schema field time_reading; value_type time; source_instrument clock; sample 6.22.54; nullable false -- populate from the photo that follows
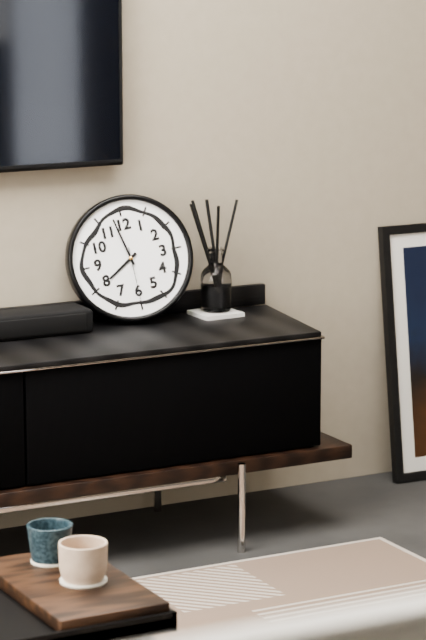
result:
7.58.30
